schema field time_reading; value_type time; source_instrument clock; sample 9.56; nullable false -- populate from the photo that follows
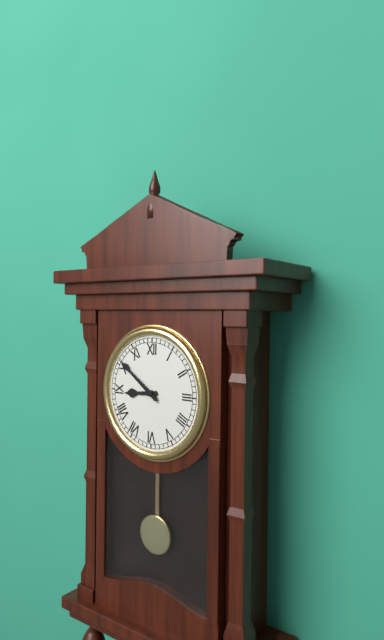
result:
8.51
